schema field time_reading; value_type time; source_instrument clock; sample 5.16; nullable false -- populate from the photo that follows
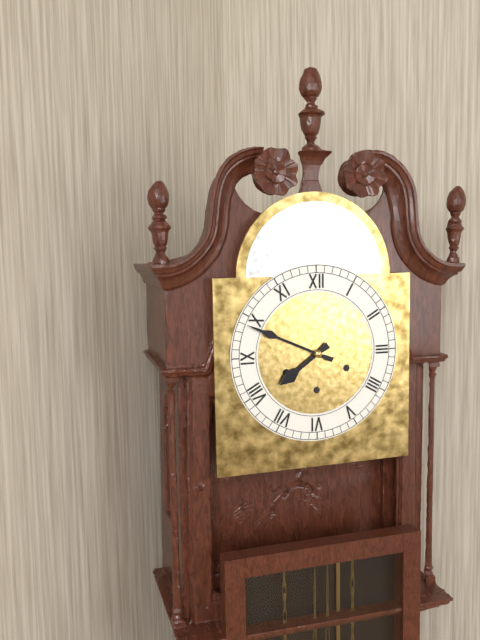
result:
7.49
